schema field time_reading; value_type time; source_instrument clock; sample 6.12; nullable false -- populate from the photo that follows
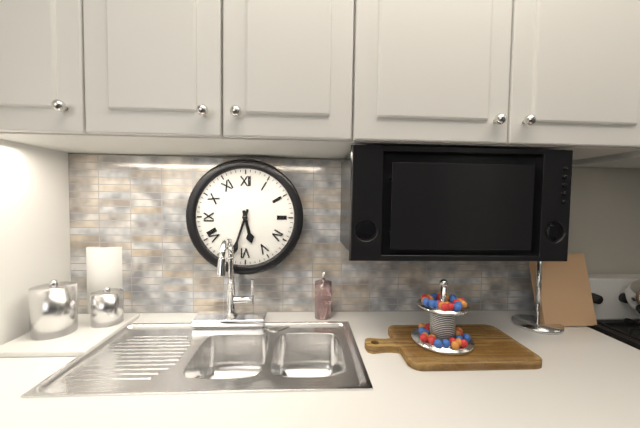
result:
5.33
